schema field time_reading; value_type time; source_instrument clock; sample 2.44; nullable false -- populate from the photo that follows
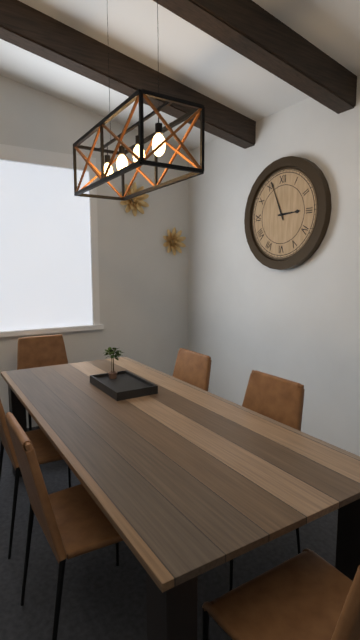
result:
2.56
